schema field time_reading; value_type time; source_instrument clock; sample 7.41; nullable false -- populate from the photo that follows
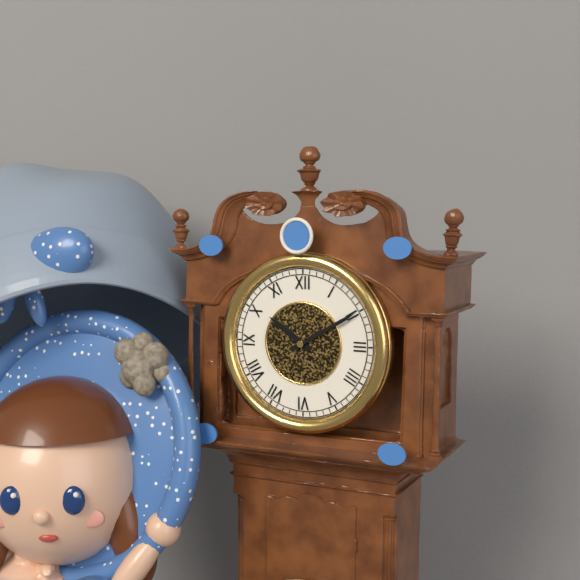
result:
10.10
